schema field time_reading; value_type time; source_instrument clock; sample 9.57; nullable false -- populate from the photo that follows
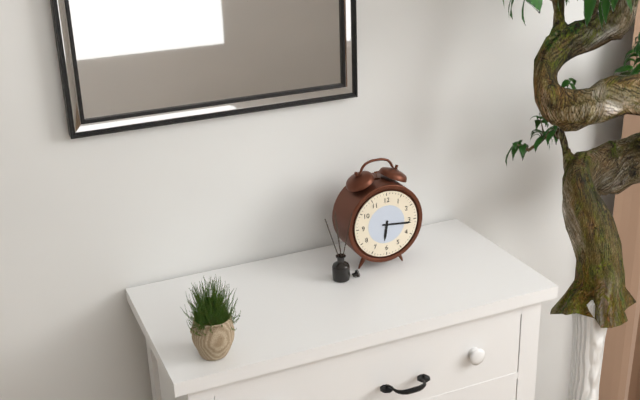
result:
6.16
